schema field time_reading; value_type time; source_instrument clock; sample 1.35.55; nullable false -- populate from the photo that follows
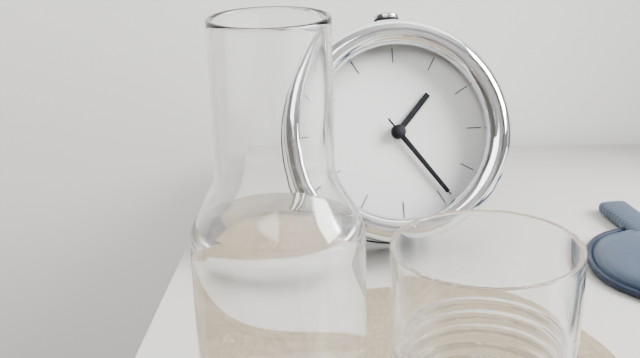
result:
1.24.24
